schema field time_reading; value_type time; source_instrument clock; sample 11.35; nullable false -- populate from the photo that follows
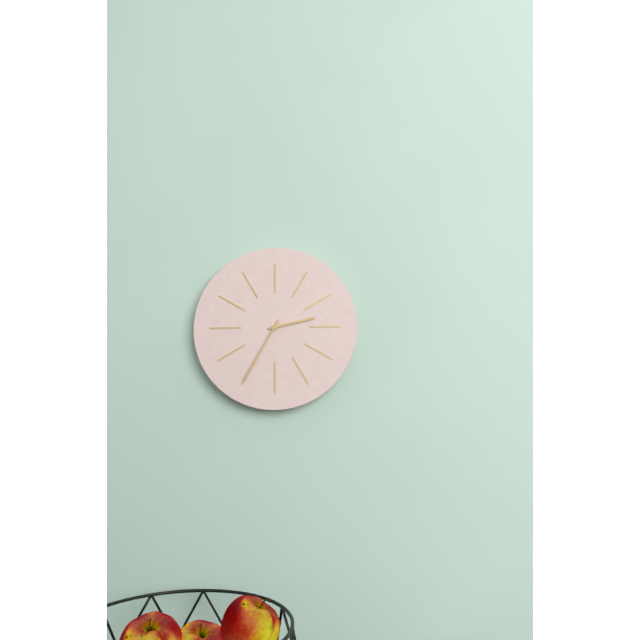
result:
2.35
